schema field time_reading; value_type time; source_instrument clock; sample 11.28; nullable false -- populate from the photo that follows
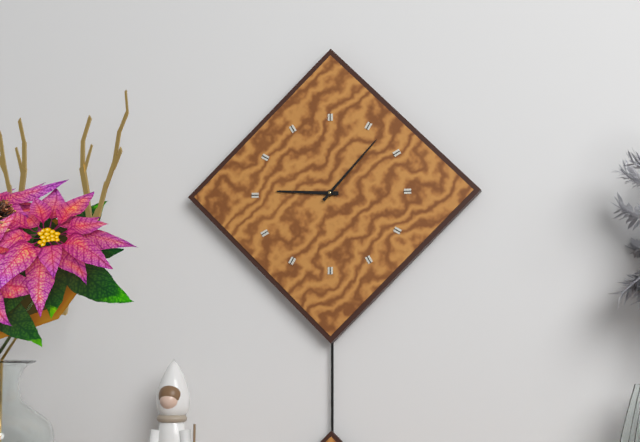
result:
9.07
